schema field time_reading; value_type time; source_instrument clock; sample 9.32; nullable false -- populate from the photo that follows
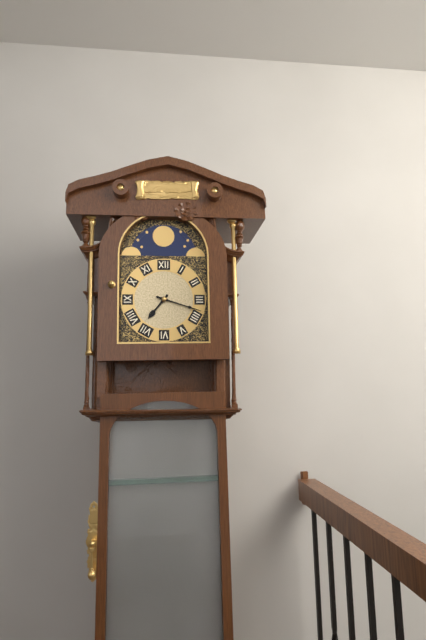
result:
7.18
